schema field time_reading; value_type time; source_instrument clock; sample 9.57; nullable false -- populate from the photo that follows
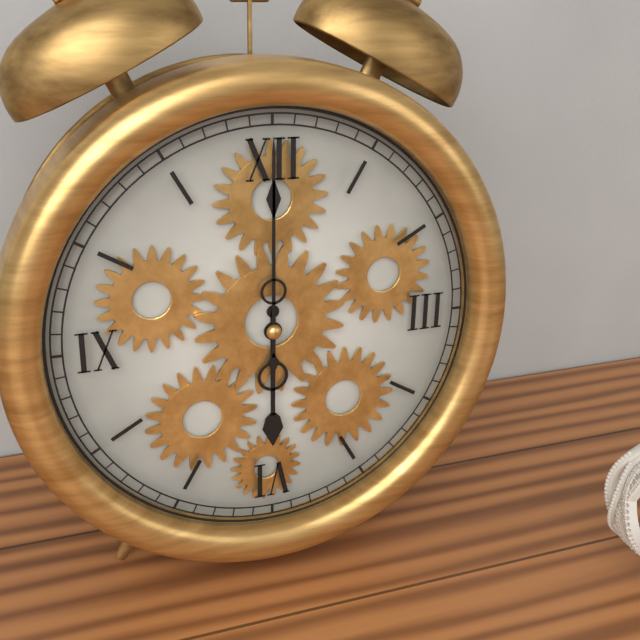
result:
6.00
